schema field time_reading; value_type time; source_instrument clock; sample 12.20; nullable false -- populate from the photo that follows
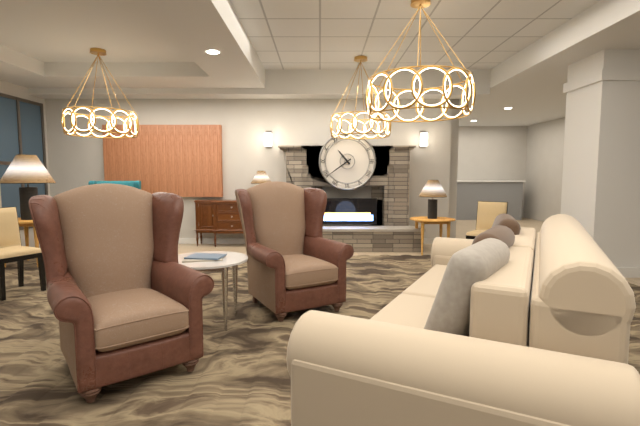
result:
10.39
